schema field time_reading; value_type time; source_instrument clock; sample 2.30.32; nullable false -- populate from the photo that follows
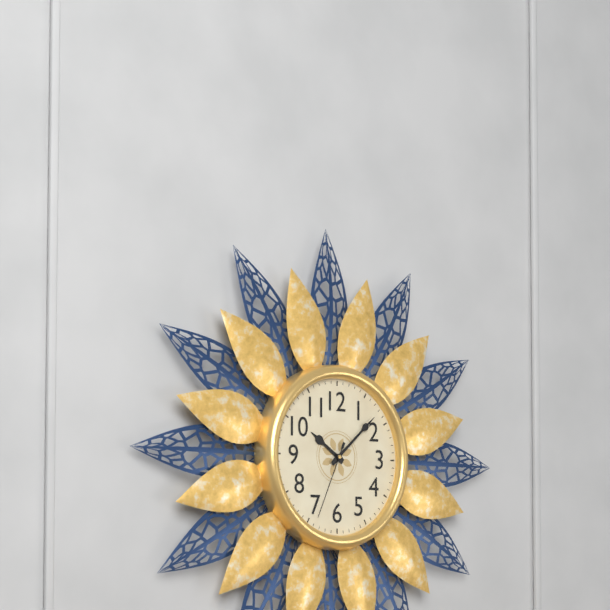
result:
10.08.34
